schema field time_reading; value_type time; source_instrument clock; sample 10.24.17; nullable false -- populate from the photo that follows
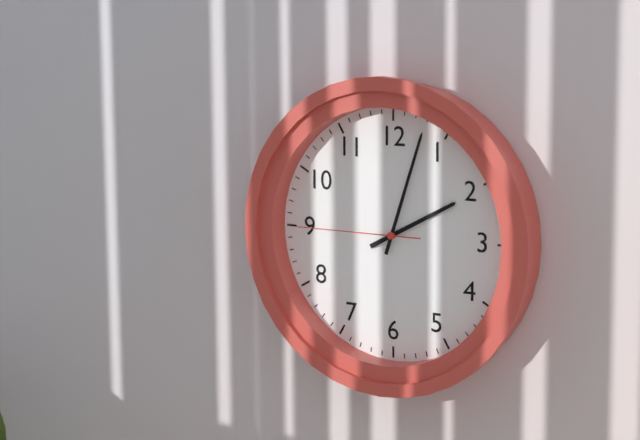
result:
2.03.45
